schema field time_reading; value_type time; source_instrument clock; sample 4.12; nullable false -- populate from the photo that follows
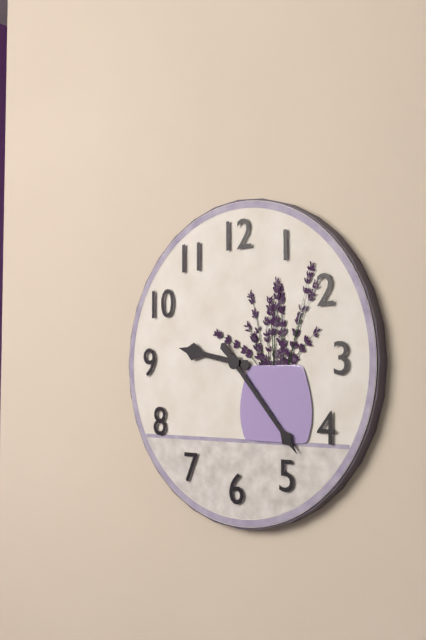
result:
9.23
